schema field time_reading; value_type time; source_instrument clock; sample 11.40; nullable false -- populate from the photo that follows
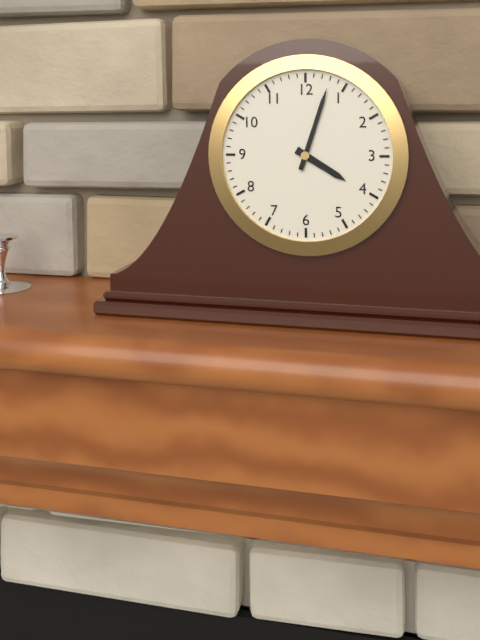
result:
4.03
